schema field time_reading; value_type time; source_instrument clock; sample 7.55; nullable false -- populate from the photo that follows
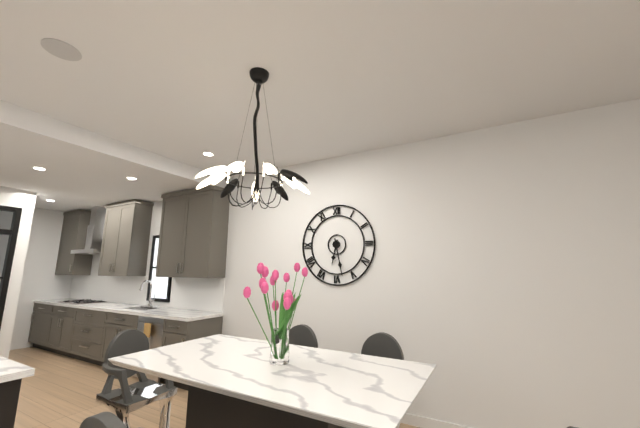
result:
6.28
